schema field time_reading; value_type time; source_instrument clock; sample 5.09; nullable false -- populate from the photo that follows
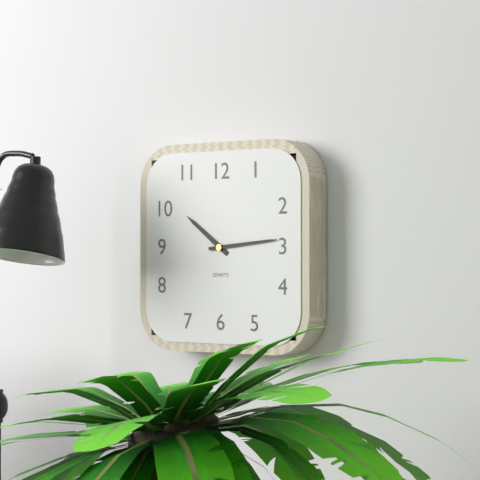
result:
10.14
